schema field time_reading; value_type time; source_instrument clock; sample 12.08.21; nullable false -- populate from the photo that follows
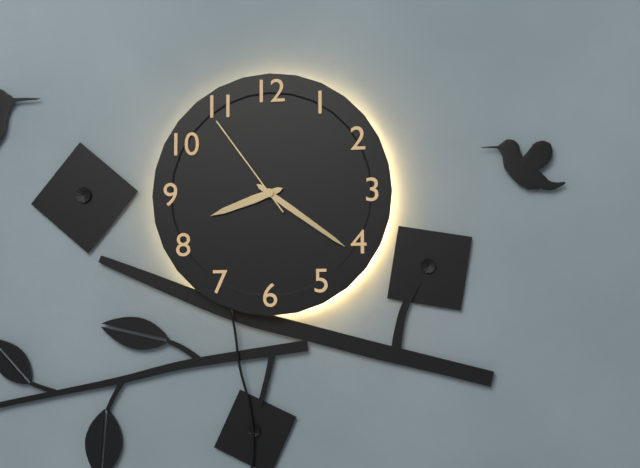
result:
8.21.54
